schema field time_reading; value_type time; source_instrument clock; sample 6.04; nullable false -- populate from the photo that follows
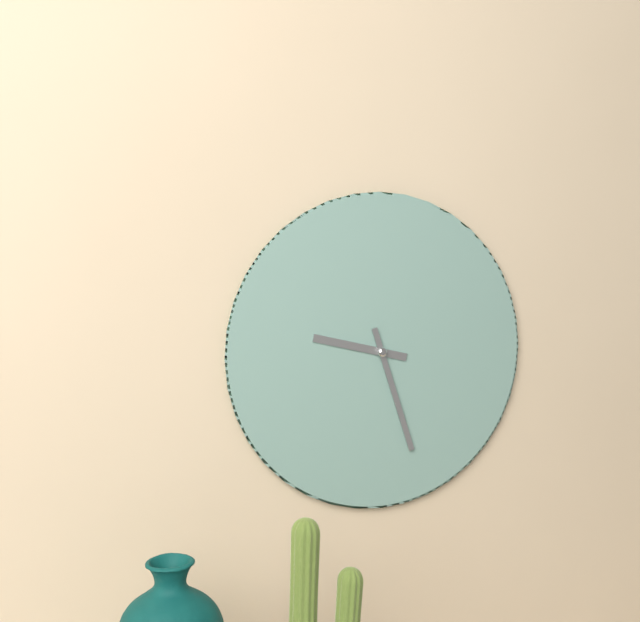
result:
9.27
